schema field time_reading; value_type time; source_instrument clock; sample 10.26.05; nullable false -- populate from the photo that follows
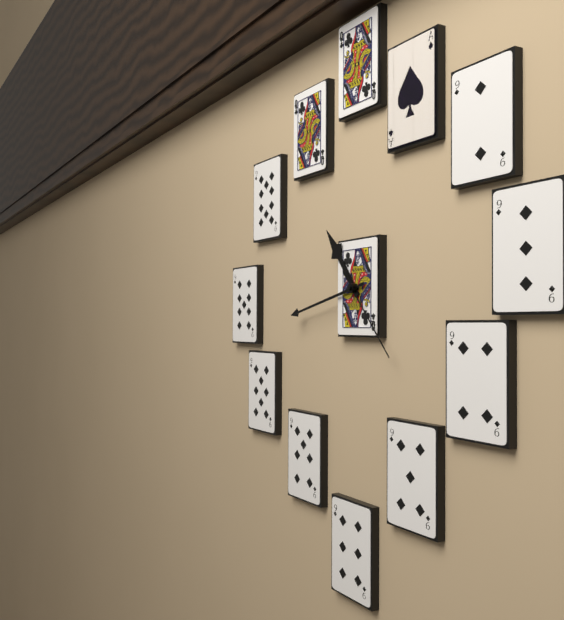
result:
10.43.23
